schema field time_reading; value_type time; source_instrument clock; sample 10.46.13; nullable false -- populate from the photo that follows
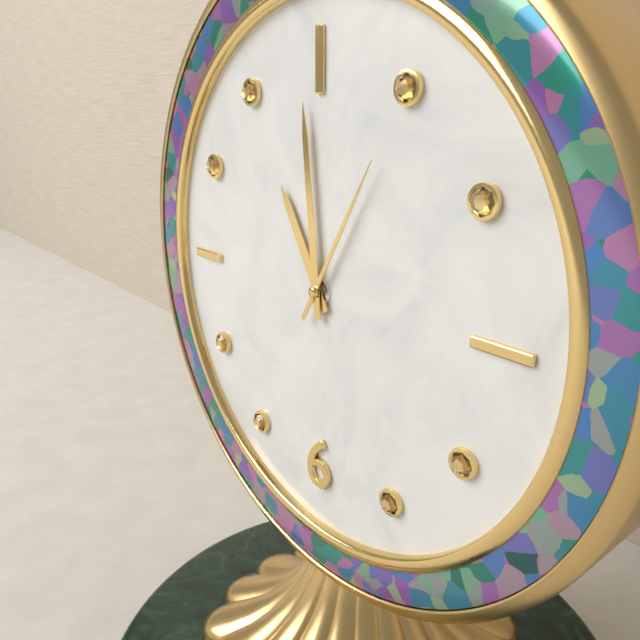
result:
10.59.05
